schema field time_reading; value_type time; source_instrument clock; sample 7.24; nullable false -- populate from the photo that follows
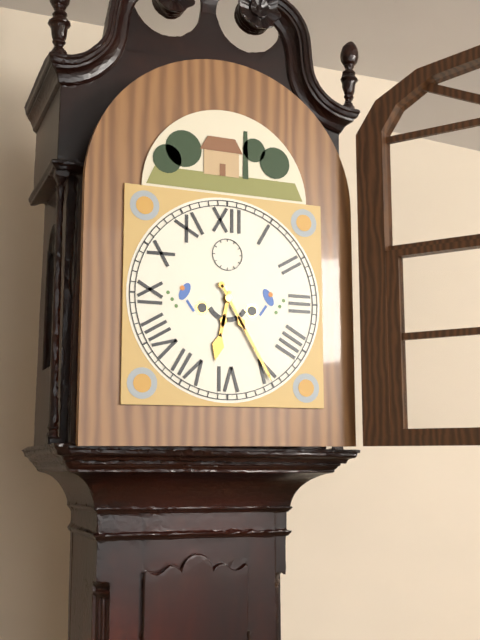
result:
6.25
